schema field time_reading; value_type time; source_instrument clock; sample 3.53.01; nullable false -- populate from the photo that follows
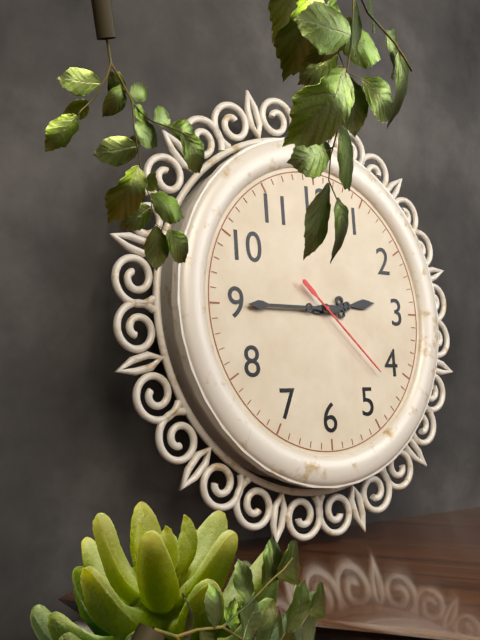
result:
2.45.22
